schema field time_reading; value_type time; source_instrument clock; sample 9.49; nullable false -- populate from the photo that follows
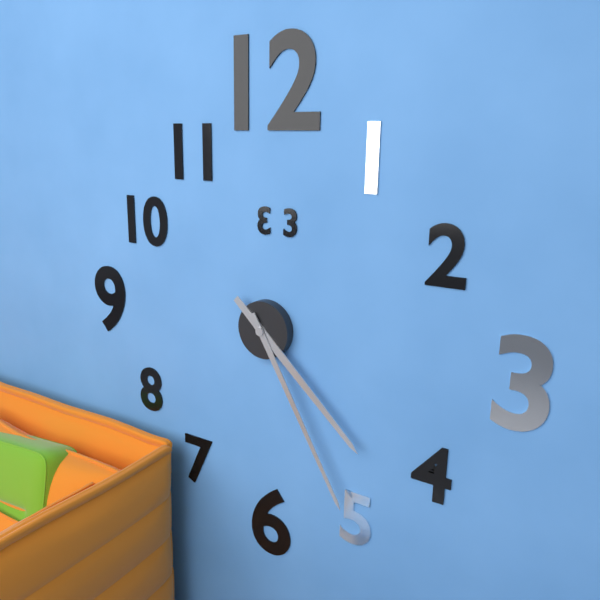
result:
4.25
